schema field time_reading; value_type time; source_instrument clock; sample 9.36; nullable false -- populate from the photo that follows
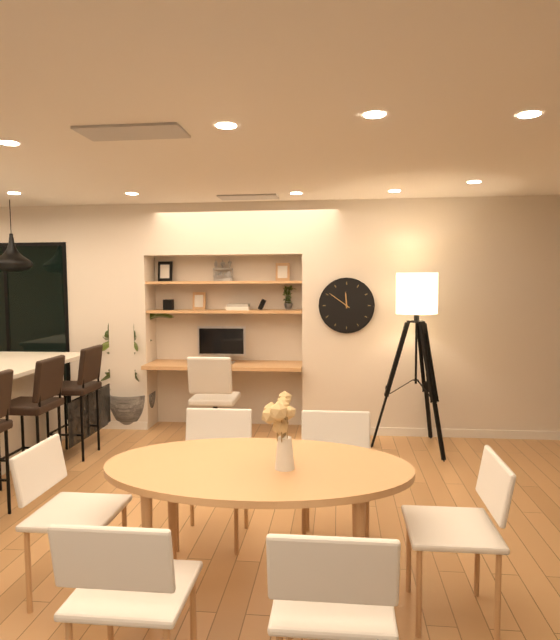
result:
11.51
